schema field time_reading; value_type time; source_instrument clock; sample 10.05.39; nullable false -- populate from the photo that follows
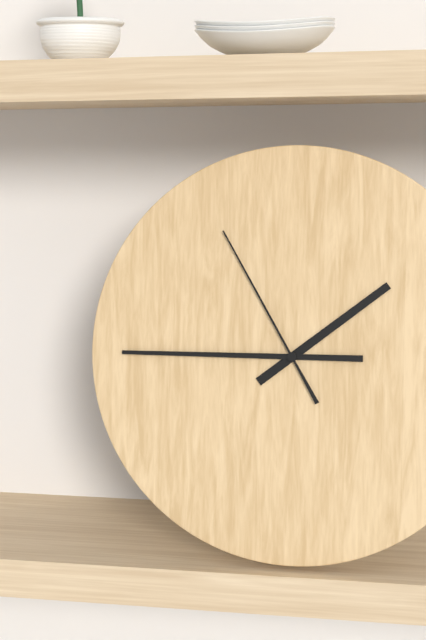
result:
1.45.55
